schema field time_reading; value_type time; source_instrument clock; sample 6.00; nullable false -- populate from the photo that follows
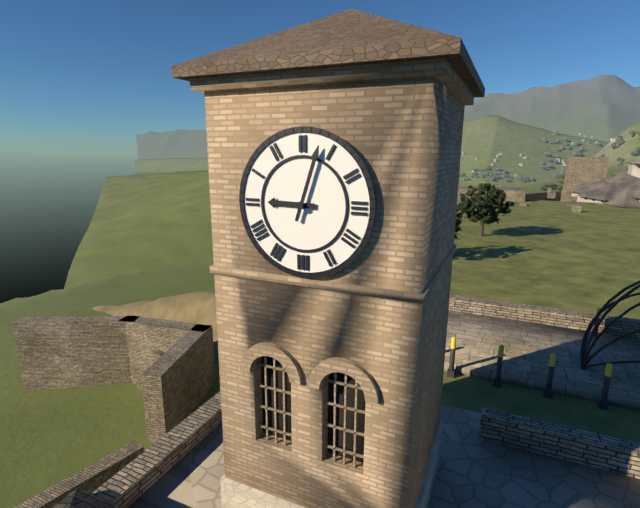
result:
9.03
